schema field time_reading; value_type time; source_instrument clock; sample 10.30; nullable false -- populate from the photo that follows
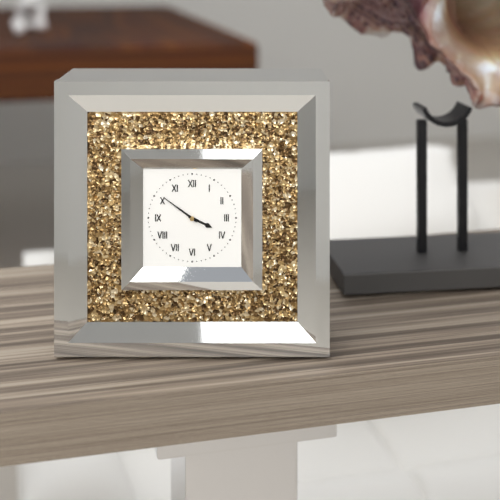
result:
3.51
